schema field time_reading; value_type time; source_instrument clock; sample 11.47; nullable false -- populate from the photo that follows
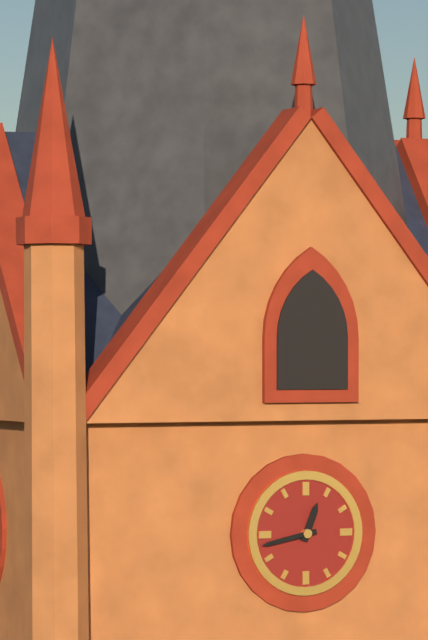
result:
12.43
